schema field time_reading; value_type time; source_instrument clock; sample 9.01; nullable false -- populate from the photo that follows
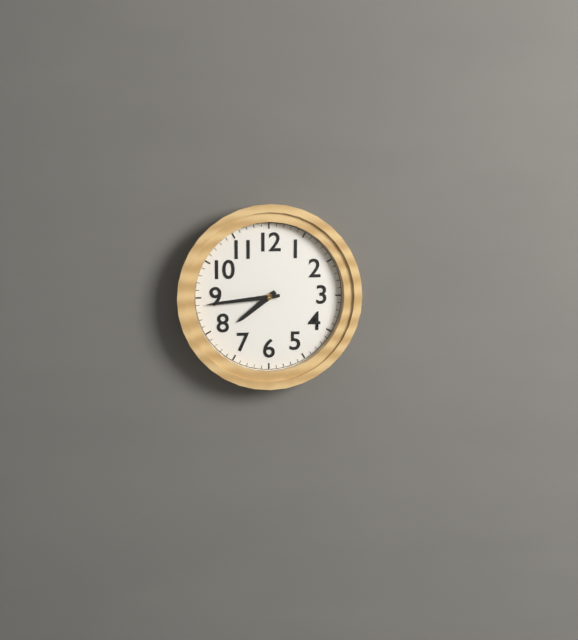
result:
7.44
